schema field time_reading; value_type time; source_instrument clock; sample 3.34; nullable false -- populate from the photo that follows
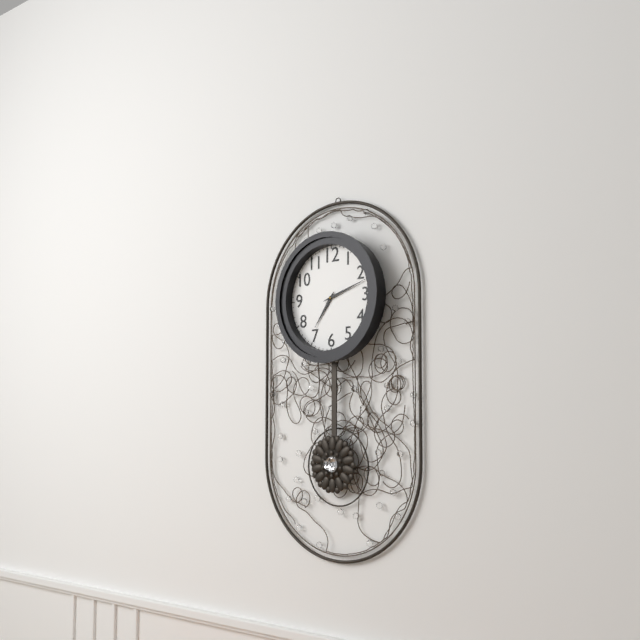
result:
7.12
